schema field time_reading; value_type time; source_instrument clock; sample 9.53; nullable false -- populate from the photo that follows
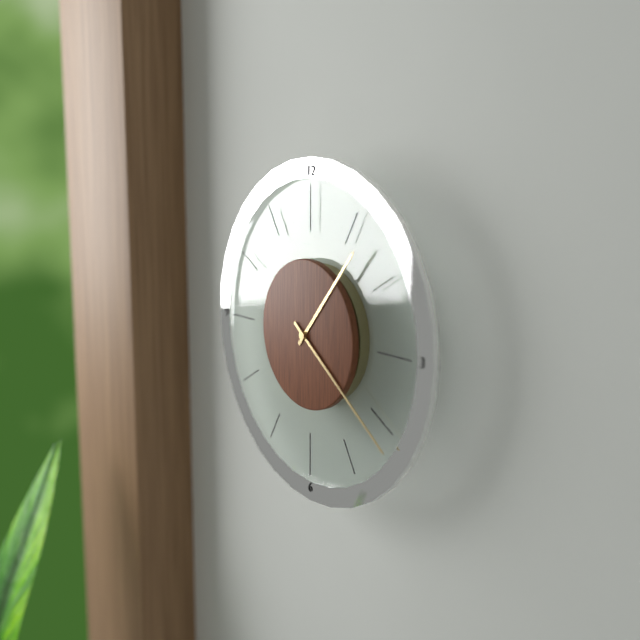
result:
1.21
